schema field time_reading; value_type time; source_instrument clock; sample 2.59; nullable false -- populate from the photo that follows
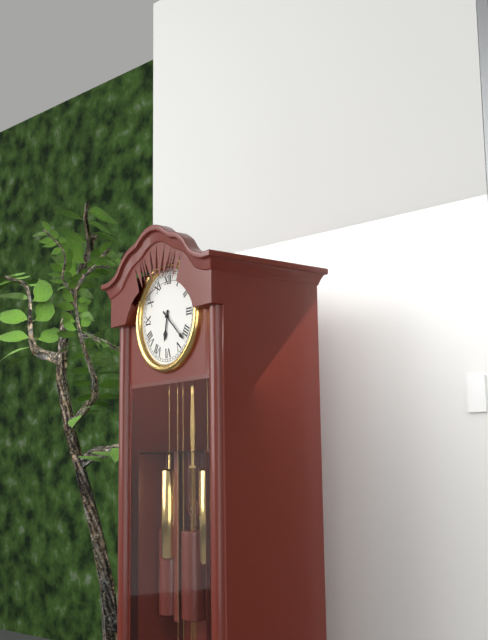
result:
6.22
